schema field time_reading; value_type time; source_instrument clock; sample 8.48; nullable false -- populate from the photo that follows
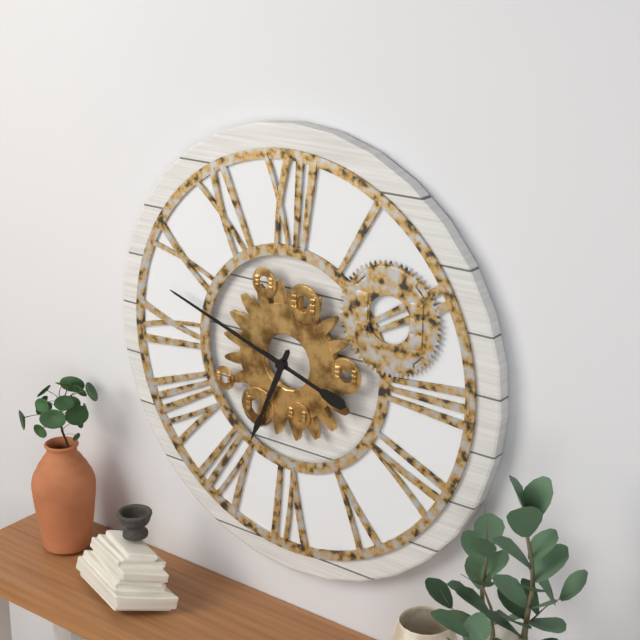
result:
6.48
